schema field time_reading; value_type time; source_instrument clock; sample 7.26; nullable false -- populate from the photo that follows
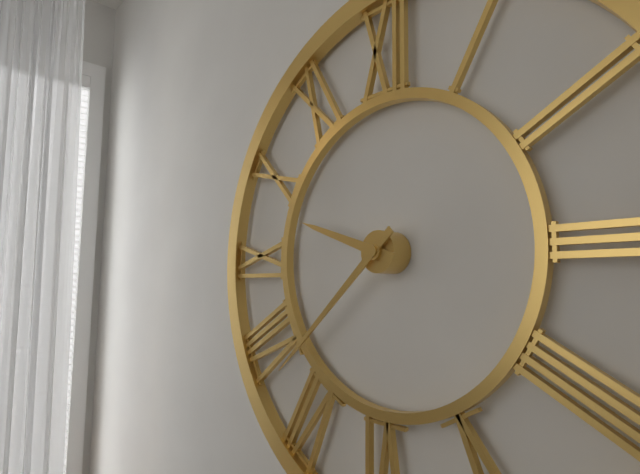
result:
9.38
